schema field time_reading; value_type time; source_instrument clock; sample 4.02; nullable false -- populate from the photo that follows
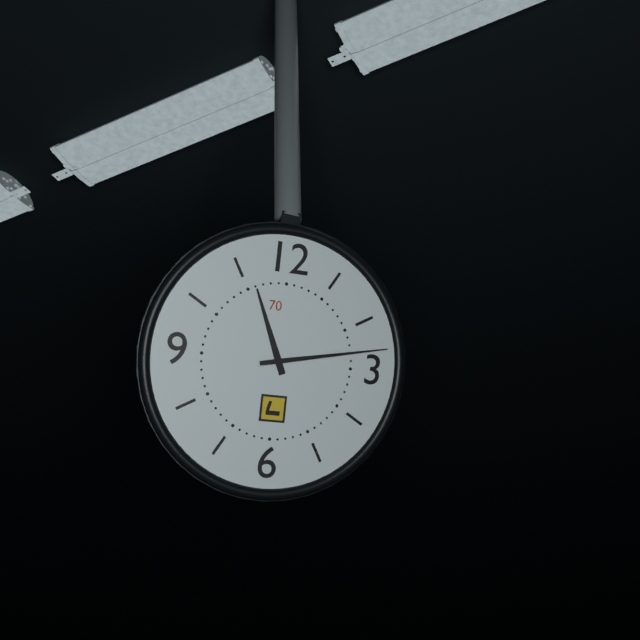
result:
11.13
